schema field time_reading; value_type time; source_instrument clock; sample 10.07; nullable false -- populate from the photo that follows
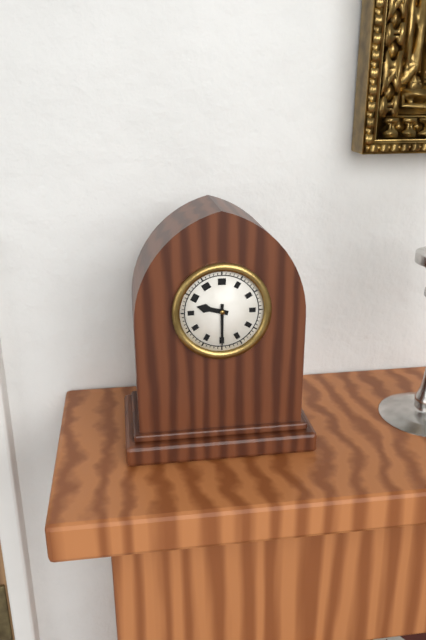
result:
9.30
